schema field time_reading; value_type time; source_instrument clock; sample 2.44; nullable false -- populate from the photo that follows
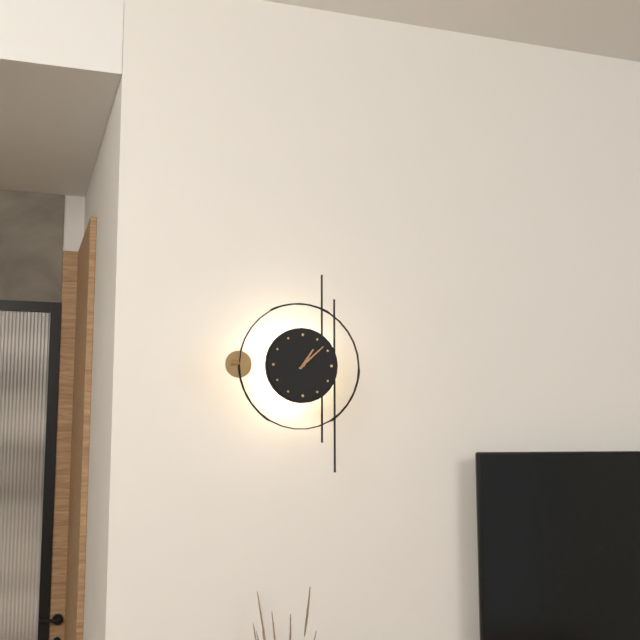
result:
1.08
